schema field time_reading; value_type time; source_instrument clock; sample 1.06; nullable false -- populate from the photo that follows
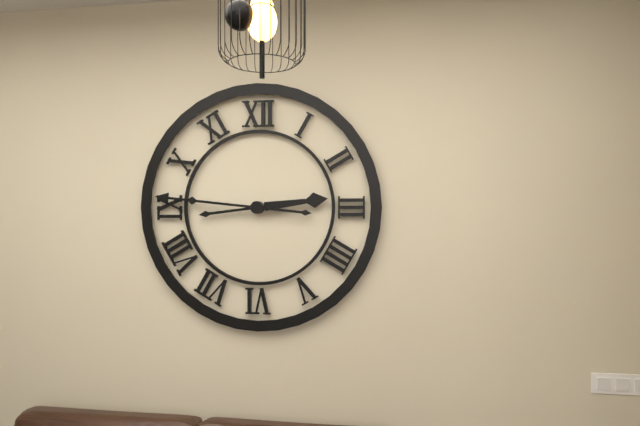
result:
2.46
